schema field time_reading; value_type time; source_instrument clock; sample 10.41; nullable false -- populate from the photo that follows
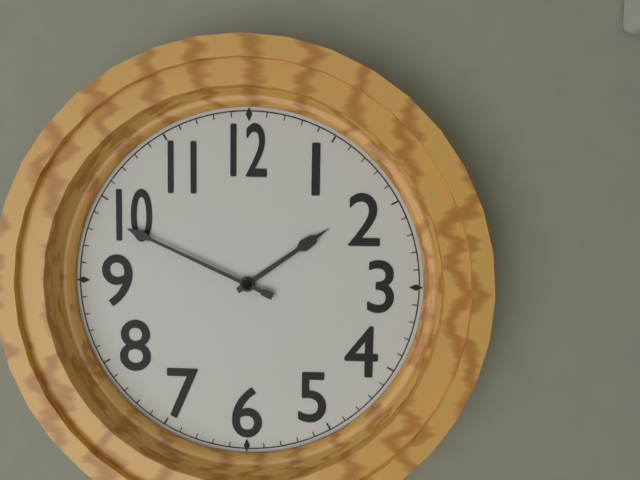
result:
1.49
